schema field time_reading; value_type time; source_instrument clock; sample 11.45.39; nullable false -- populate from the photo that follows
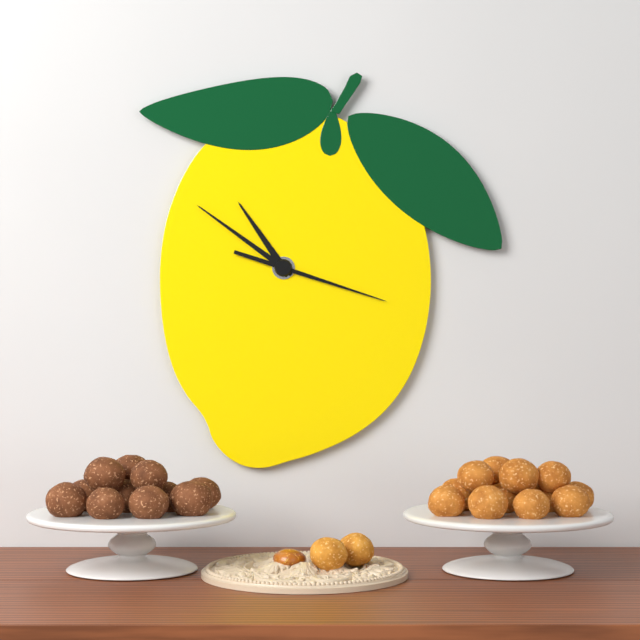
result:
10.51.18
